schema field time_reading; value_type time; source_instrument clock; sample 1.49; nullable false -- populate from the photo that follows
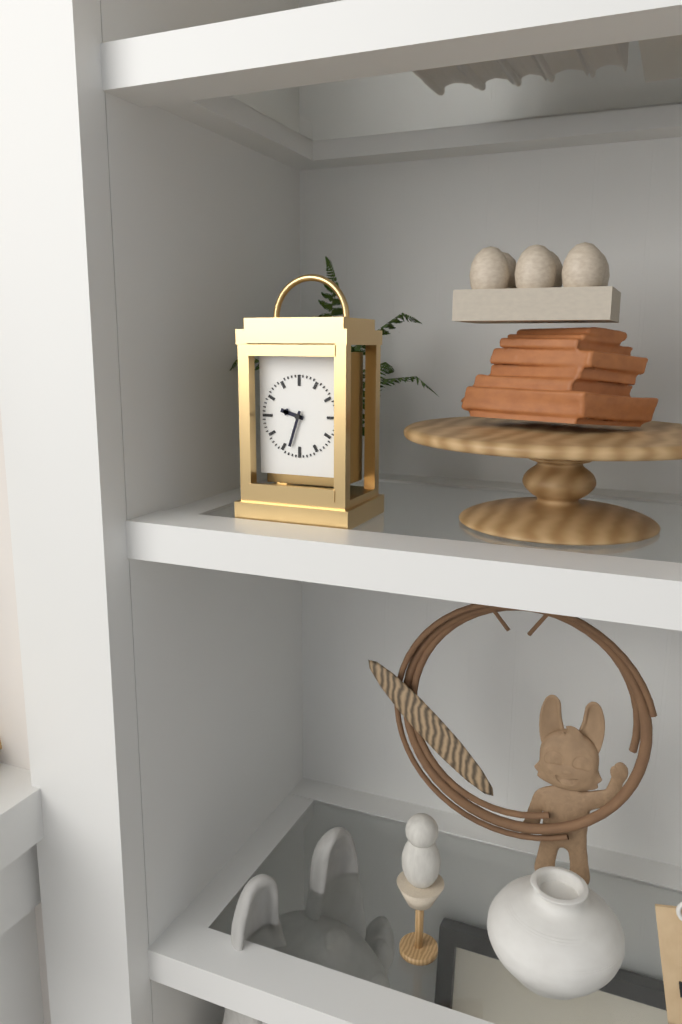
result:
9.33
